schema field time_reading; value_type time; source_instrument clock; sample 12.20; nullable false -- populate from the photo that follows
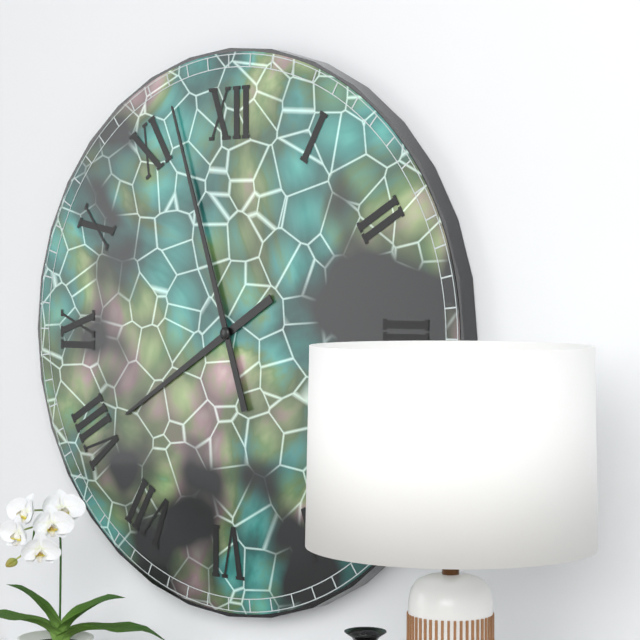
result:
7.57
